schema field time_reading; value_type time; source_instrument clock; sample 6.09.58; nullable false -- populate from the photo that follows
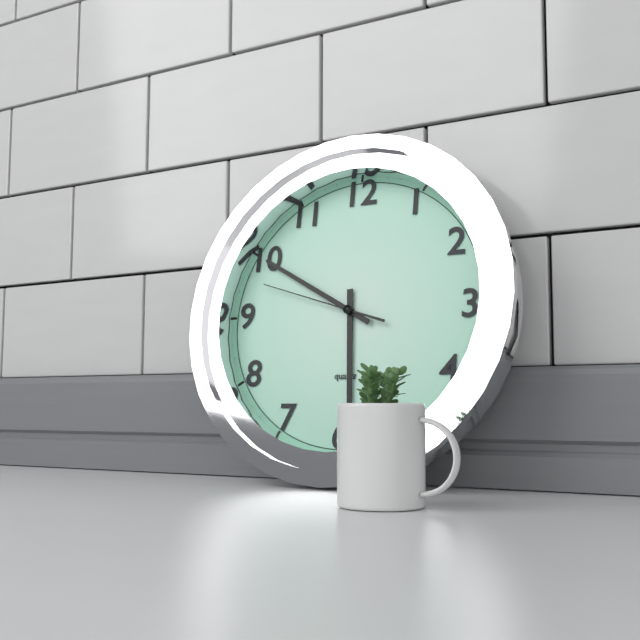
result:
5.50.48
